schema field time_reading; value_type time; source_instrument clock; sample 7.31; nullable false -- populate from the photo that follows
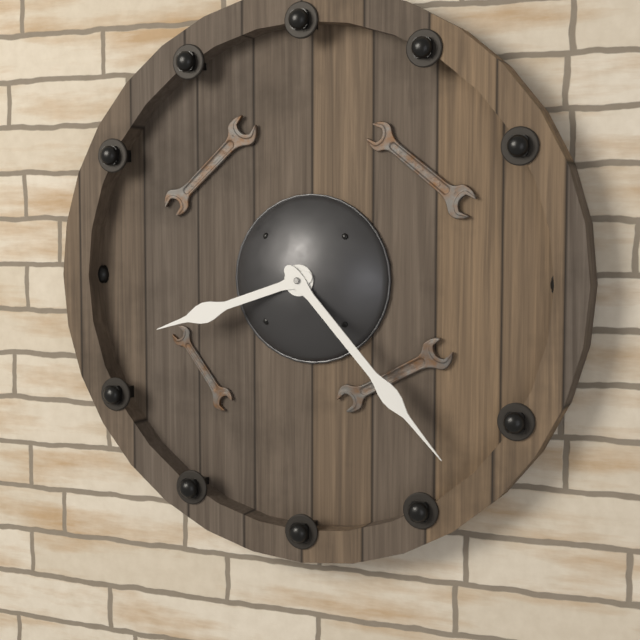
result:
8.23
